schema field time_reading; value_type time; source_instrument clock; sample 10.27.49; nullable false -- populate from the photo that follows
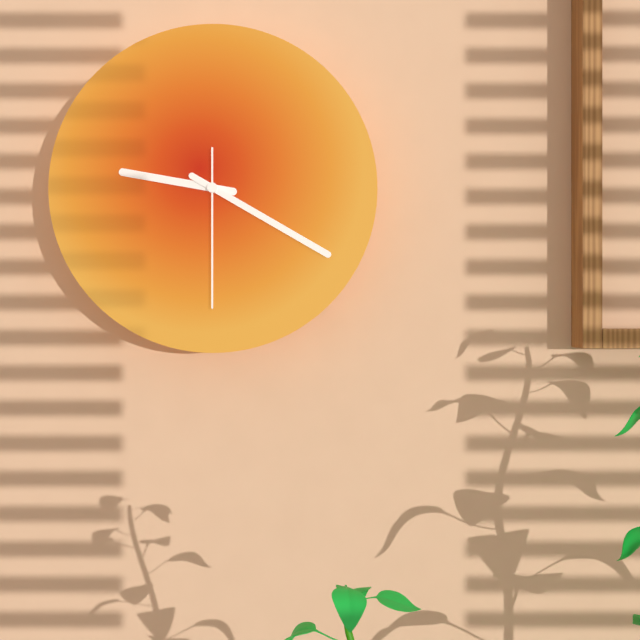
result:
9.20.30
